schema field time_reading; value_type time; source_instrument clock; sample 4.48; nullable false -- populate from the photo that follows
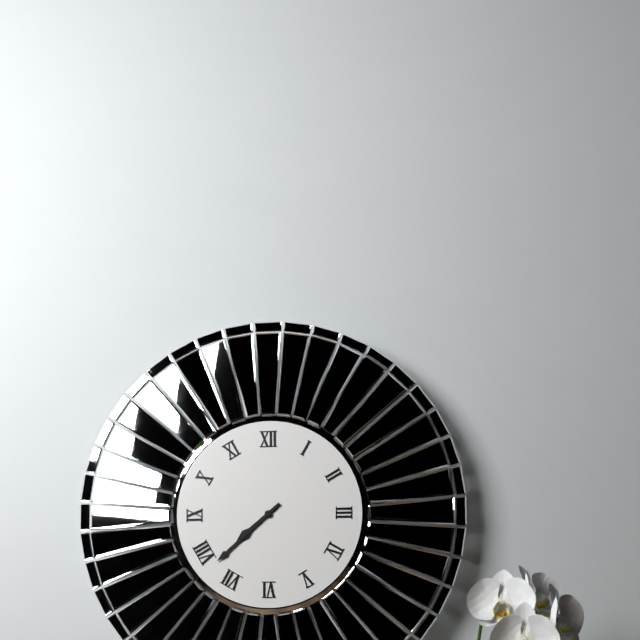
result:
7.38
